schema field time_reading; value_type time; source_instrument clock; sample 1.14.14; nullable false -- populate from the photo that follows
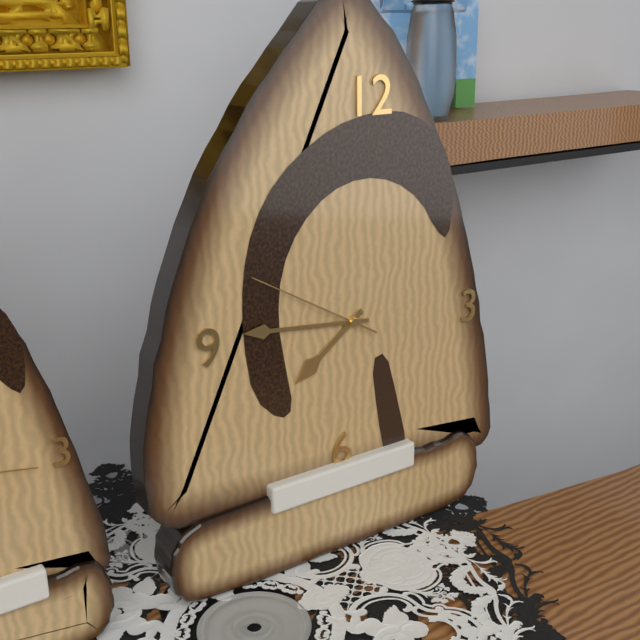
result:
7.46.50
